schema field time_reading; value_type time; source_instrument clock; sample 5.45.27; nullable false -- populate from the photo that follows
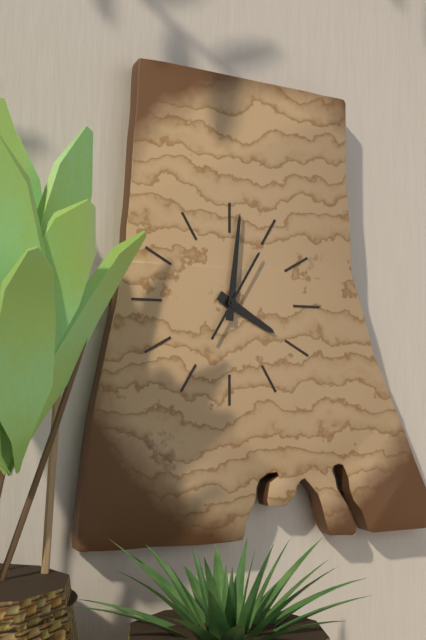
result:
4.01.05
